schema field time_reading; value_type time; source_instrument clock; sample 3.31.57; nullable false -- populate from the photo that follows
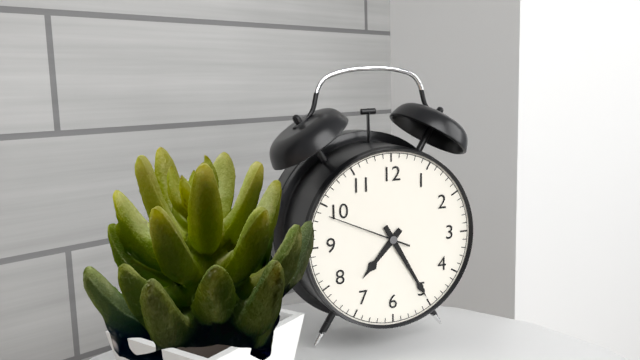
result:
7.25.49
